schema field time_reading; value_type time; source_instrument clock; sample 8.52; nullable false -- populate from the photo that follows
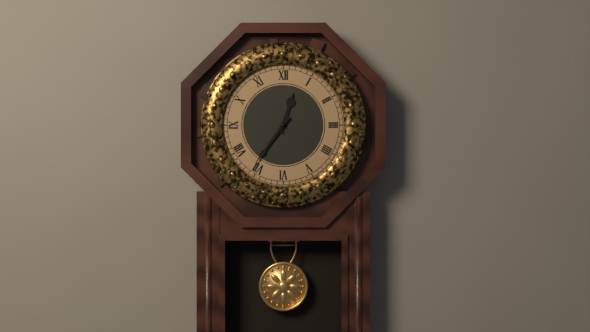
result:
12.36
